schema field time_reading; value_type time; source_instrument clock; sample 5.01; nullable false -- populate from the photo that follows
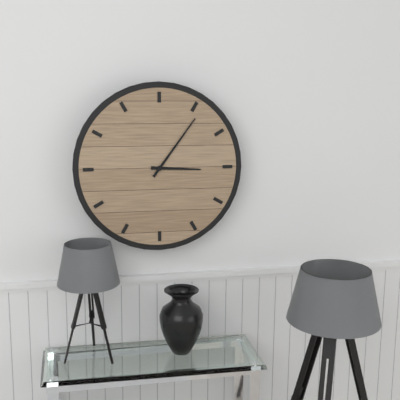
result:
3.06
